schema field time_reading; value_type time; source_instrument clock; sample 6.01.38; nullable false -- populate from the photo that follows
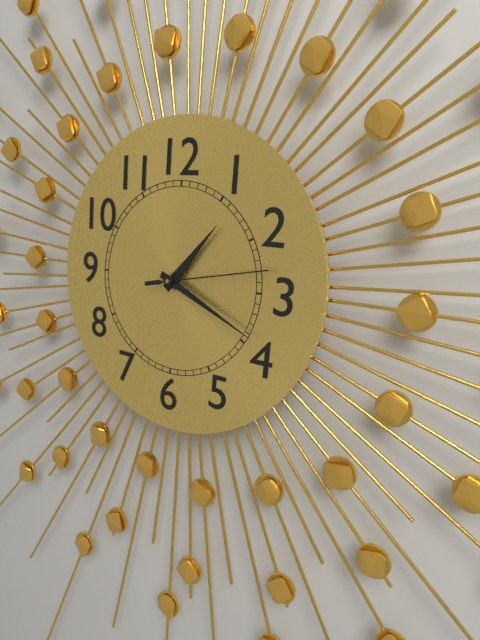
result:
1.19.13
